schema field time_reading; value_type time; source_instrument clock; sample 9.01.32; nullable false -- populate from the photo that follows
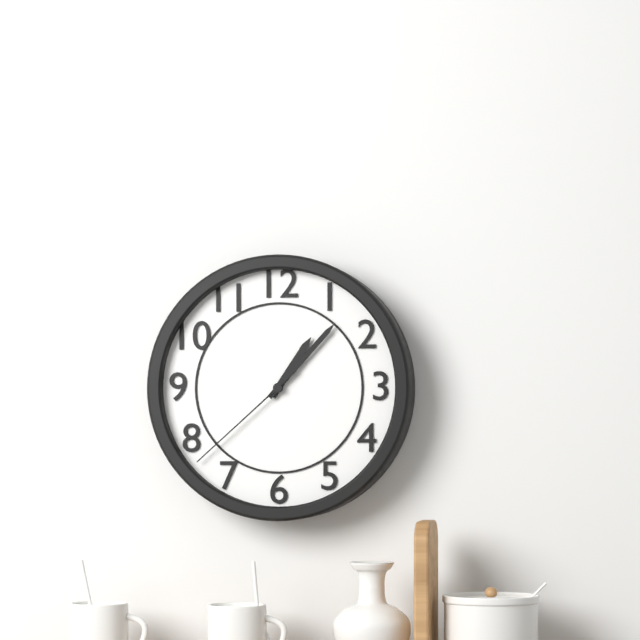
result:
1.07.38
